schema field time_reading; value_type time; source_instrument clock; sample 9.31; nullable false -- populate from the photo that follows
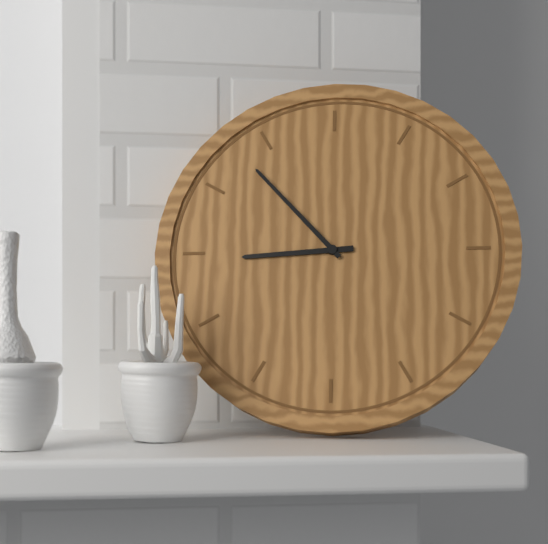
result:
8.53
